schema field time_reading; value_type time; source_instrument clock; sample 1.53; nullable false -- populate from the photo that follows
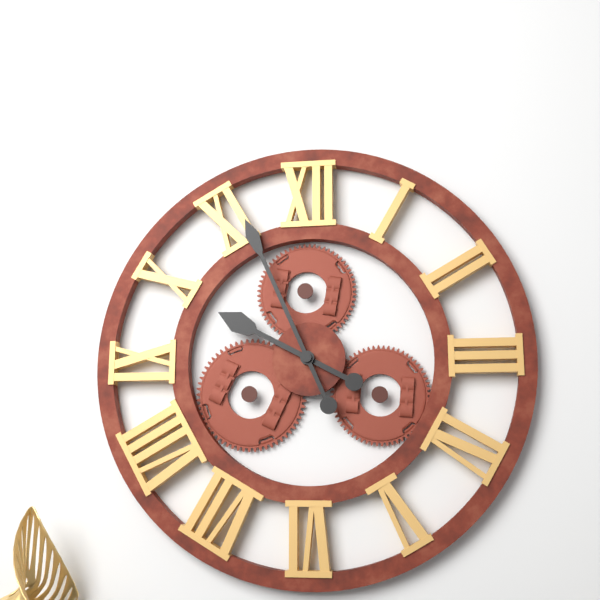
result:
9.56
